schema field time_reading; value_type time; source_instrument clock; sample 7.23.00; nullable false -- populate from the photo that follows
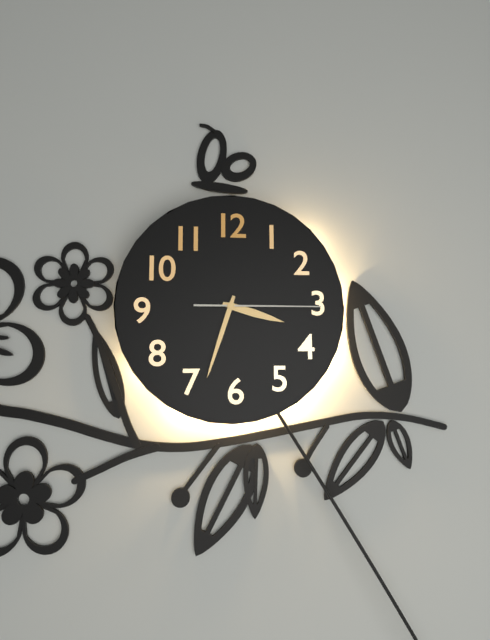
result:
3.33.15
